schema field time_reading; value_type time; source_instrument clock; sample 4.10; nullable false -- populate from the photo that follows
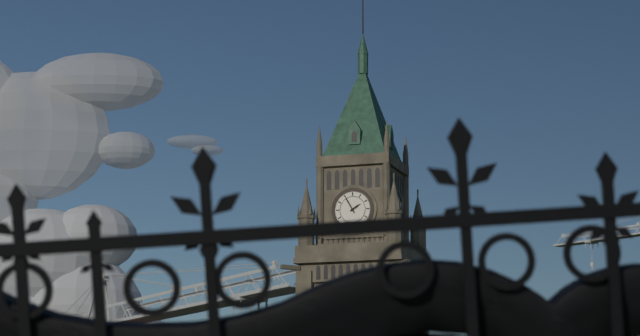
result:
1.55
